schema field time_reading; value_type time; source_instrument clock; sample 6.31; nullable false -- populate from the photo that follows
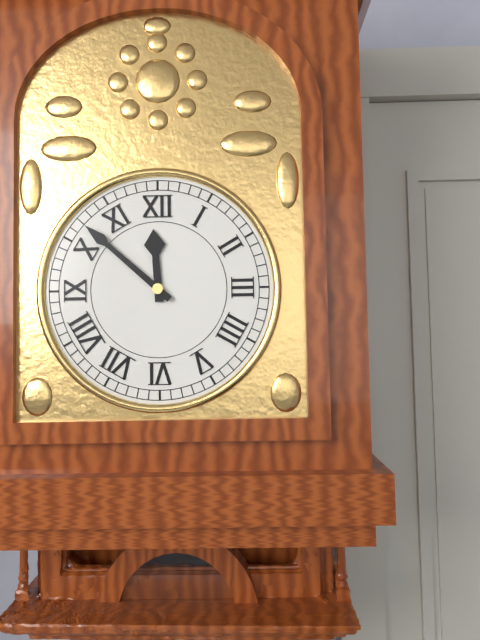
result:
11.52
